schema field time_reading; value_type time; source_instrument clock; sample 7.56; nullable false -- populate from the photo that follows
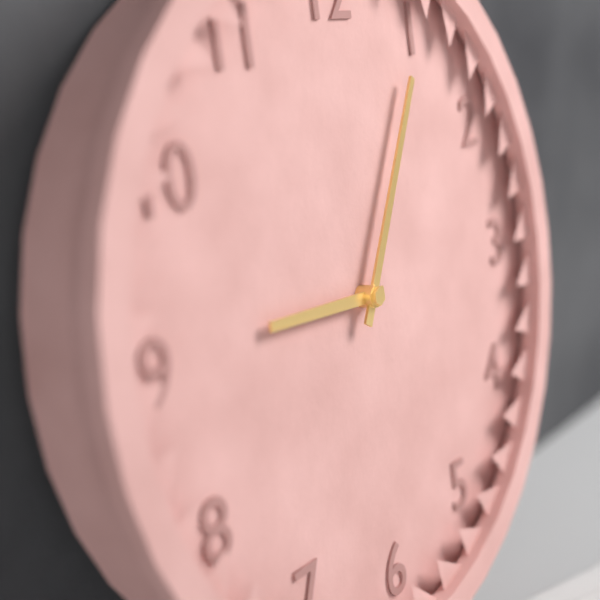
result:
9.05
